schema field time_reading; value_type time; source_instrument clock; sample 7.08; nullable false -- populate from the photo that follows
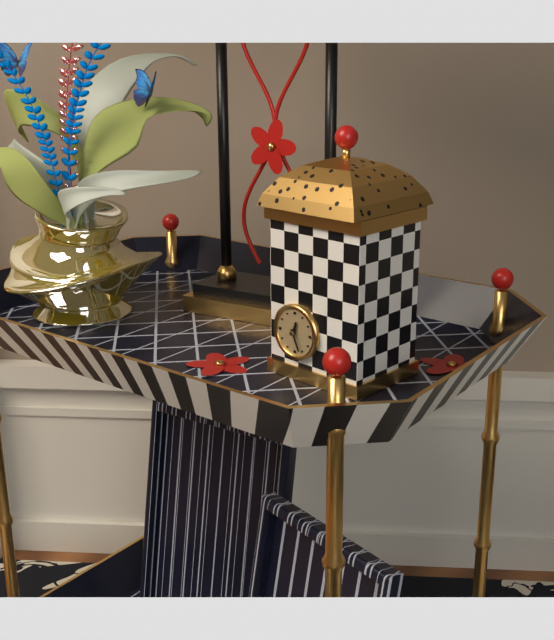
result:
12.26
